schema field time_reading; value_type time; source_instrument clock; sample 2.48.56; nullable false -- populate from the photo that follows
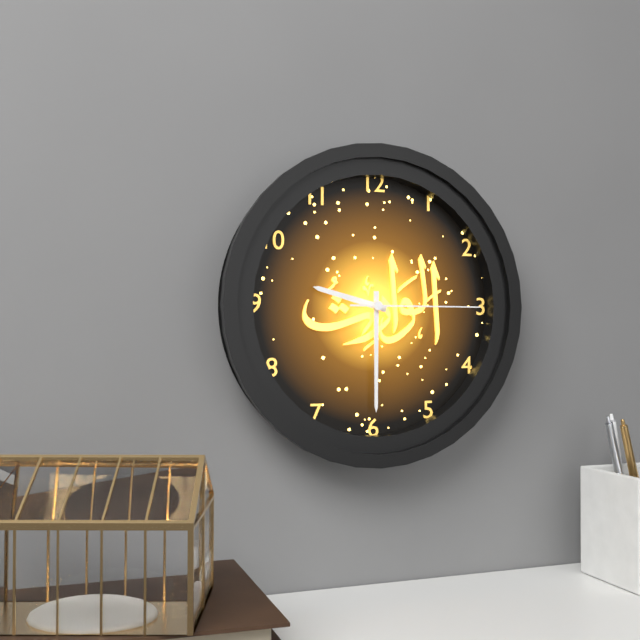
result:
9.30.15
